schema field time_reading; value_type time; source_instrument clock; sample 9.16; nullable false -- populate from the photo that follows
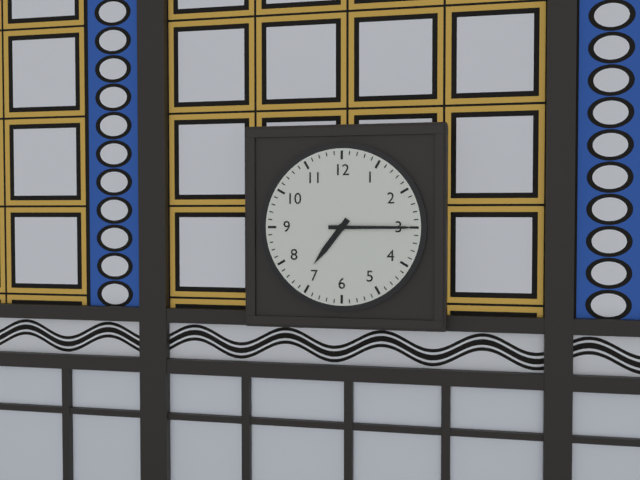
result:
7.15
